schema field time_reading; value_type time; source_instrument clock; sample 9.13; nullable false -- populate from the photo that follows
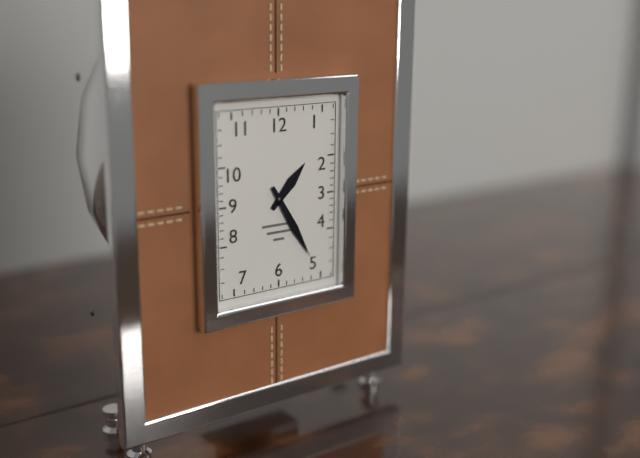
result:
1.25
